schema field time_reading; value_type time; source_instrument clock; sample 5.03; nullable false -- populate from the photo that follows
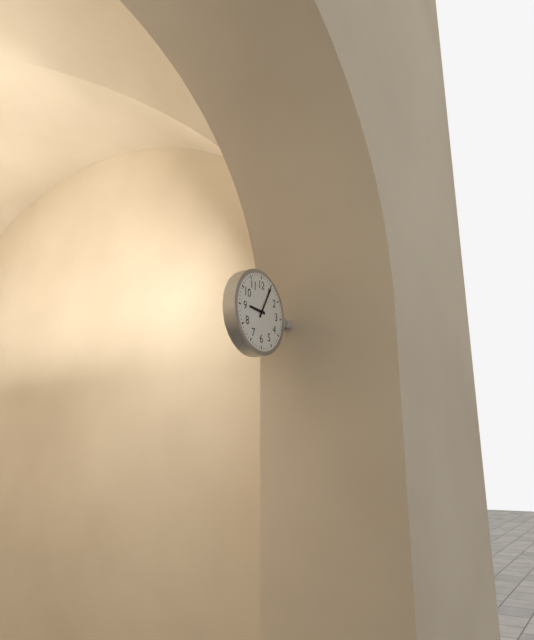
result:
9.05
